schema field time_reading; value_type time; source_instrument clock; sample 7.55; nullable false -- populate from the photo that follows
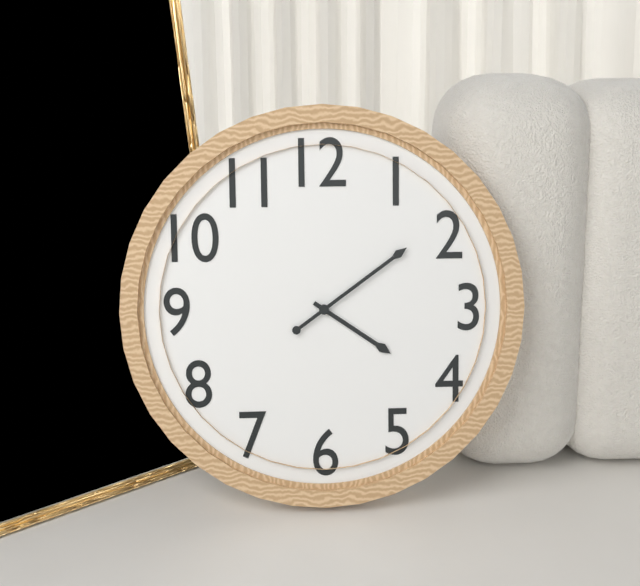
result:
4.09
